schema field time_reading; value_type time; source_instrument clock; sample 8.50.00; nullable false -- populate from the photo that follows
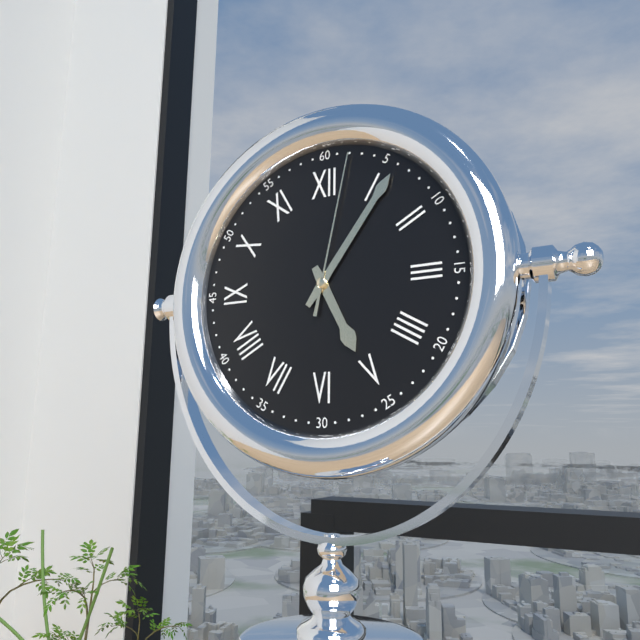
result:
5.06.02
